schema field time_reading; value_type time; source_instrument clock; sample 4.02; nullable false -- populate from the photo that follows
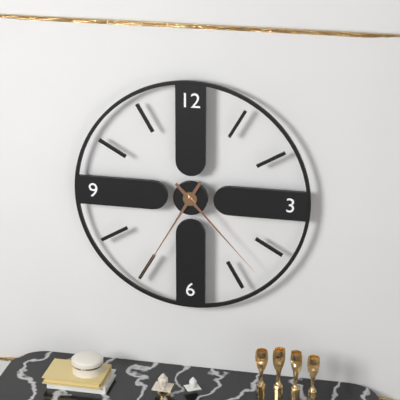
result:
4.35
